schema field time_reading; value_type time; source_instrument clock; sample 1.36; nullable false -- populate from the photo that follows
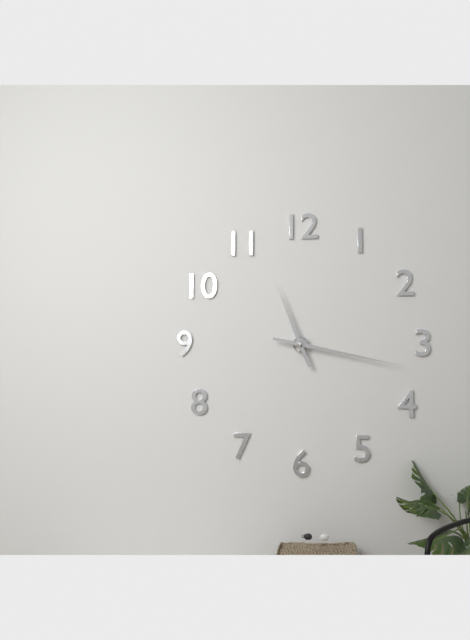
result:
11.17
